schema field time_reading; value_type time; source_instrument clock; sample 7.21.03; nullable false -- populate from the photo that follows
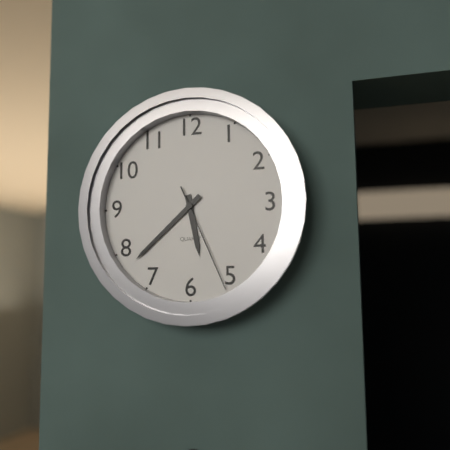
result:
5.38.26
